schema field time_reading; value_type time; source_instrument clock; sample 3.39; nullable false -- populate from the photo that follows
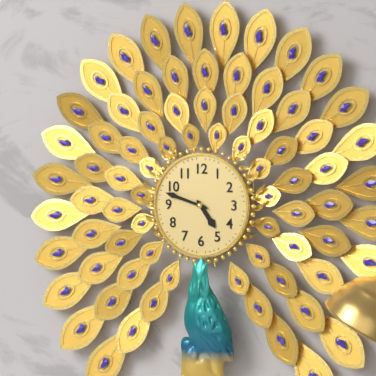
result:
4.48
